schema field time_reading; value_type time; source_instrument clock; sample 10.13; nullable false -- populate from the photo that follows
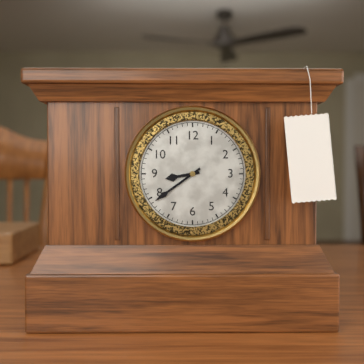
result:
8.39
